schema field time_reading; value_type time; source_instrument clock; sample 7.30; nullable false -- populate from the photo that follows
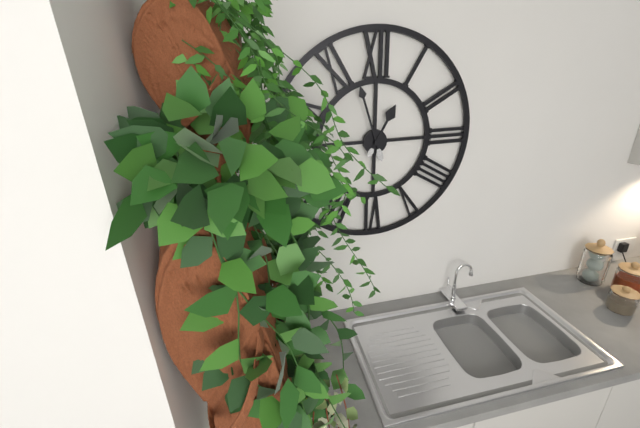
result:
12.57
